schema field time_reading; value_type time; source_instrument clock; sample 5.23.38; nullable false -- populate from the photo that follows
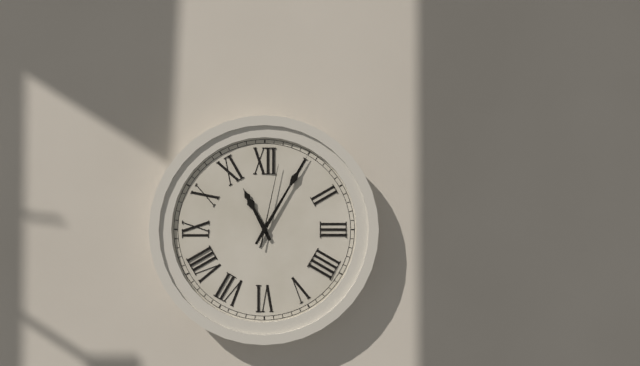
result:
11.05.02
